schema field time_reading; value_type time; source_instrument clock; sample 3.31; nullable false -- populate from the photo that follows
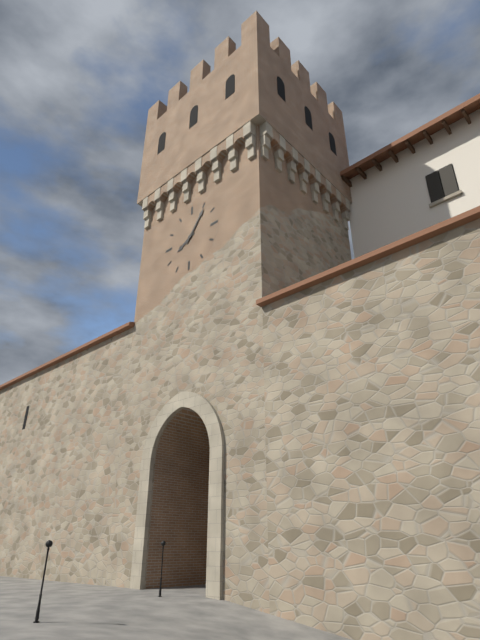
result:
8.06
